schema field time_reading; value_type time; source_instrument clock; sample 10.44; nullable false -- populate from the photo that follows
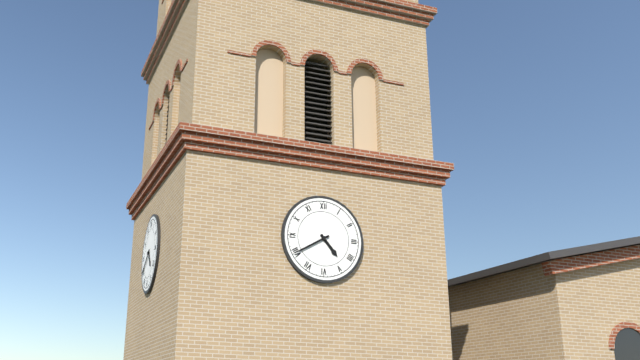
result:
4.40
